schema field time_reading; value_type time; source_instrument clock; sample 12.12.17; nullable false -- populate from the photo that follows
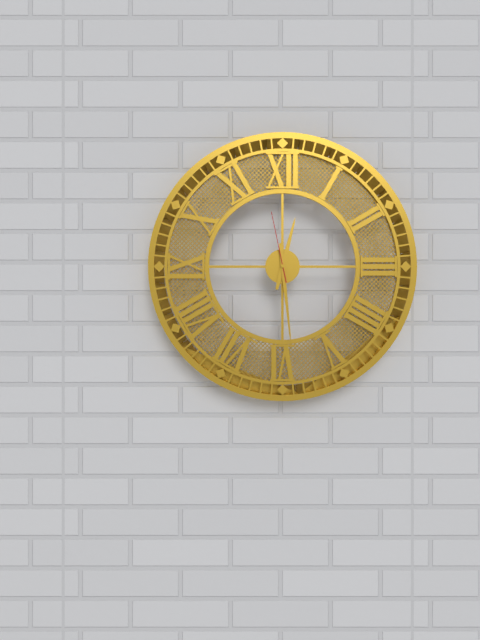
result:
12.29.58
